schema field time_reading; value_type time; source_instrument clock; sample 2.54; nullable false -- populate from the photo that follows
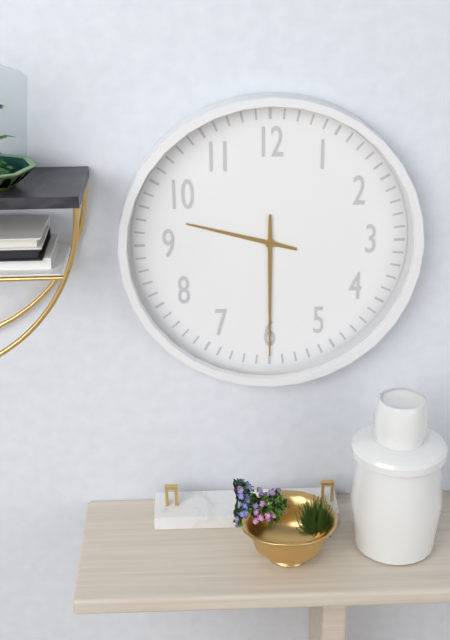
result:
9.30
